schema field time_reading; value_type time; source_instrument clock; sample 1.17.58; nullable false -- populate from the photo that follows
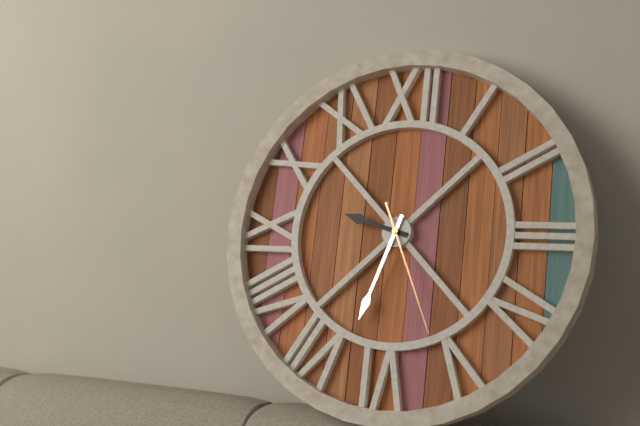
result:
9.33.26
